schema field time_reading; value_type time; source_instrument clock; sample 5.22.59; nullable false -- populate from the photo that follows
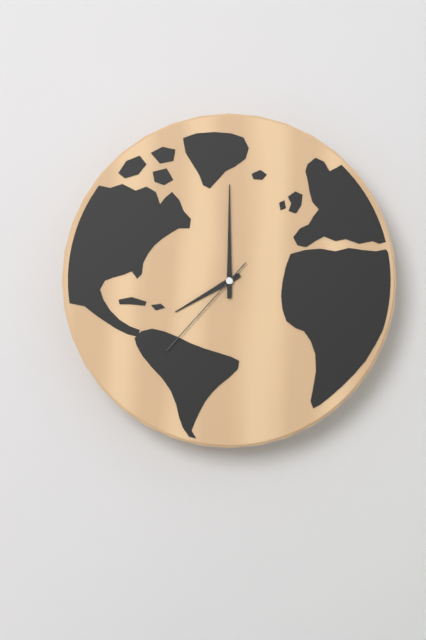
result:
8.00.37
